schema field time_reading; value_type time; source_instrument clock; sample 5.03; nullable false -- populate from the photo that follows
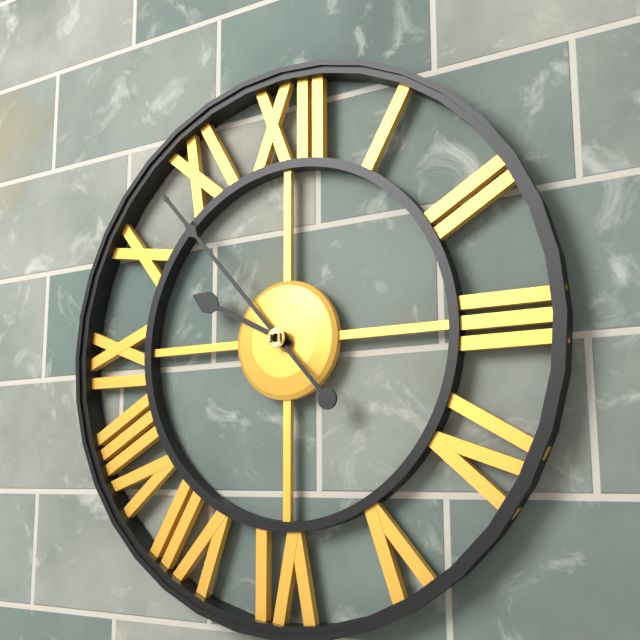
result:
9.53
